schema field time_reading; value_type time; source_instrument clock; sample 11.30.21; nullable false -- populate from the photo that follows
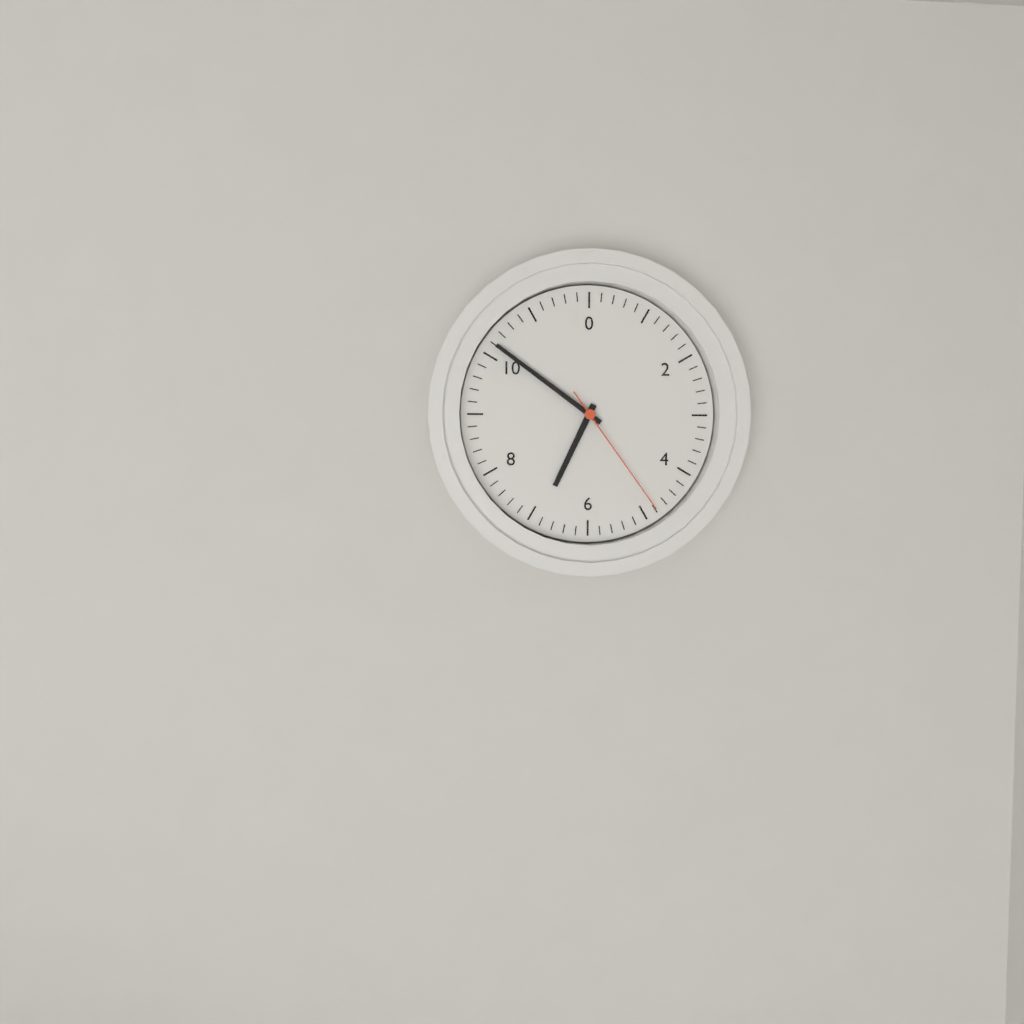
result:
6.51.24
